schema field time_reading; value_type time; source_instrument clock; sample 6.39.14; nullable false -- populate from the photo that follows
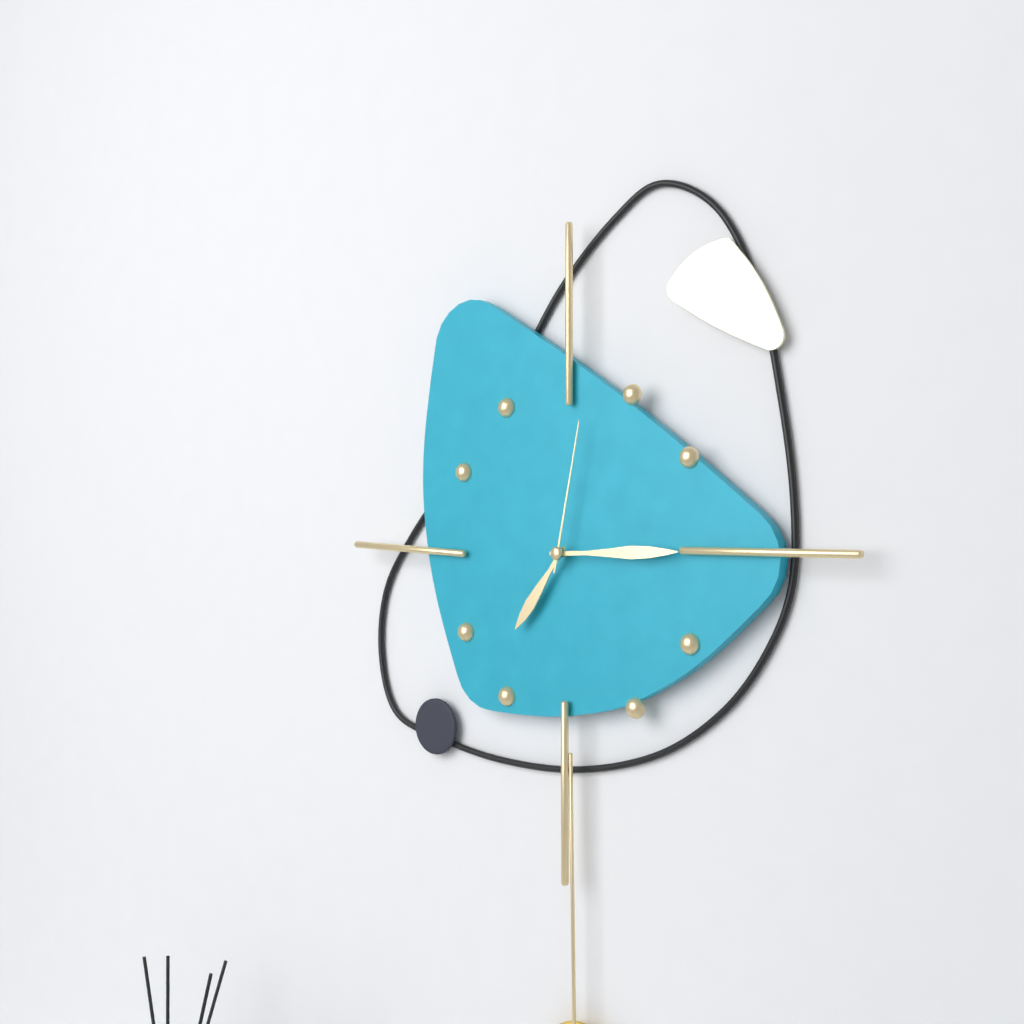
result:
7.15.02
